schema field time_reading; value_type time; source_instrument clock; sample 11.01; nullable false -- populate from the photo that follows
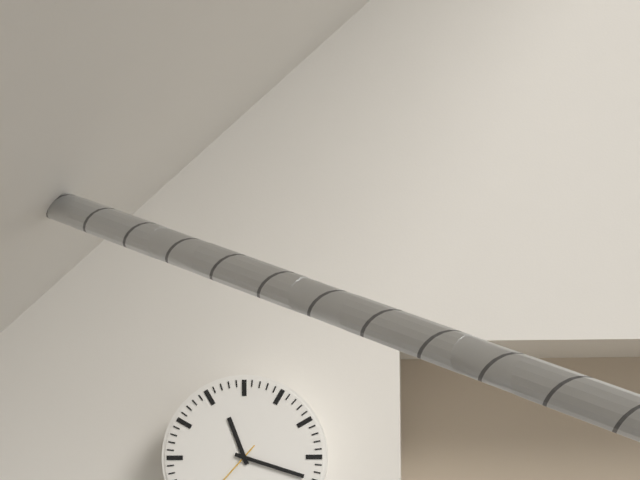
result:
11.18
